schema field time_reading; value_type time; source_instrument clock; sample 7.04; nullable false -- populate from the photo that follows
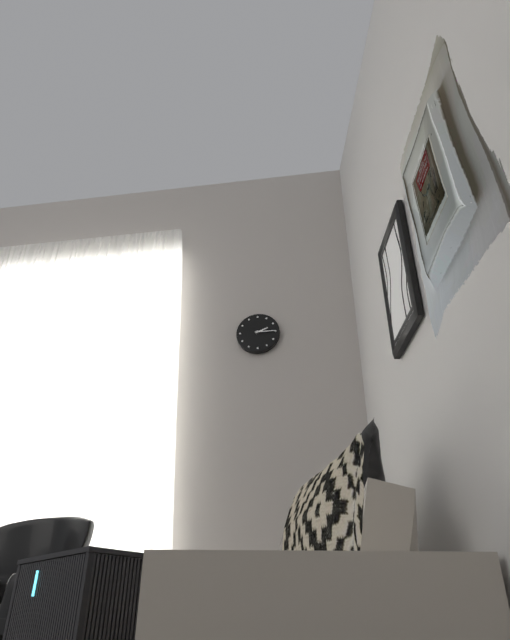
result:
2.15
